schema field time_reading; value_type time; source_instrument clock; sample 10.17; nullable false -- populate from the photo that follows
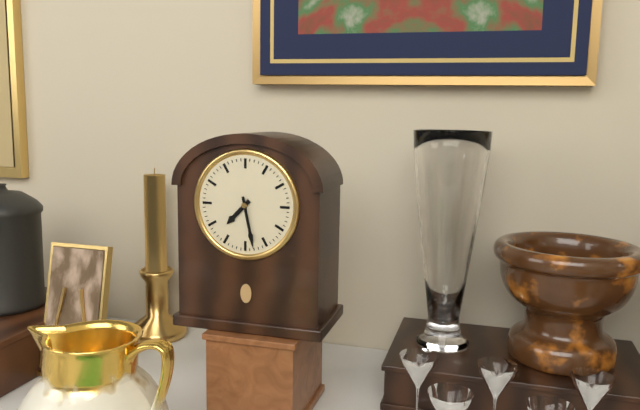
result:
7.28
